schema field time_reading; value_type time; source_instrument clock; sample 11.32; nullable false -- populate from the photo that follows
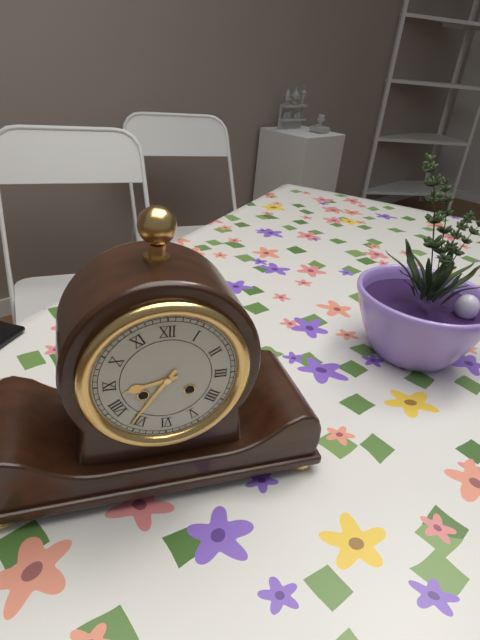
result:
8.36
